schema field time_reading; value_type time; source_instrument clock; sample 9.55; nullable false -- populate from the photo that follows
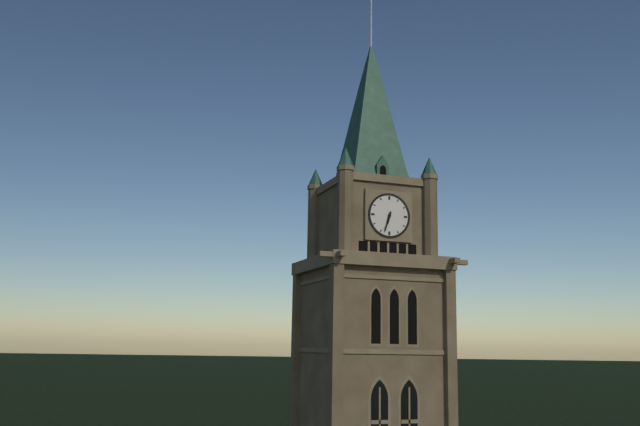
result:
6.33
